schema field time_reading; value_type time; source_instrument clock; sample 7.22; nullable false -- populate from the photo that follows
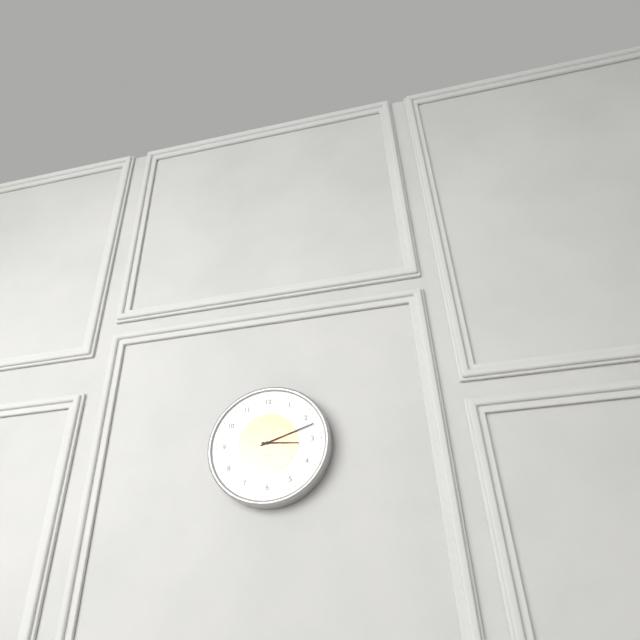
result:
3.12
